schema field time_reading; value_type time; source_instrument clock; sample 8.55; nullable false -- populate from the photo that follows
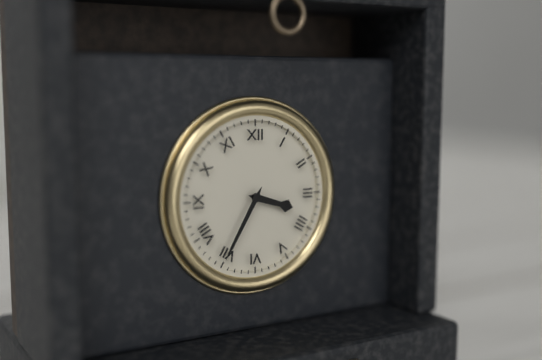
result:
3.35
